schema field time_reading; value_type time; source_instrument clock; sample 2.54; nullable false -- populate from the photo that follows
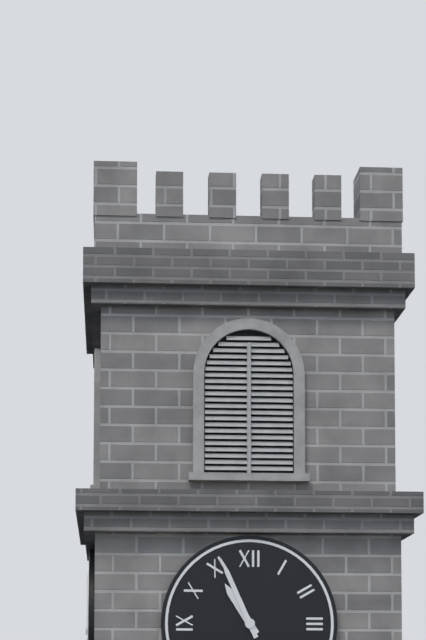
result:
10.56
